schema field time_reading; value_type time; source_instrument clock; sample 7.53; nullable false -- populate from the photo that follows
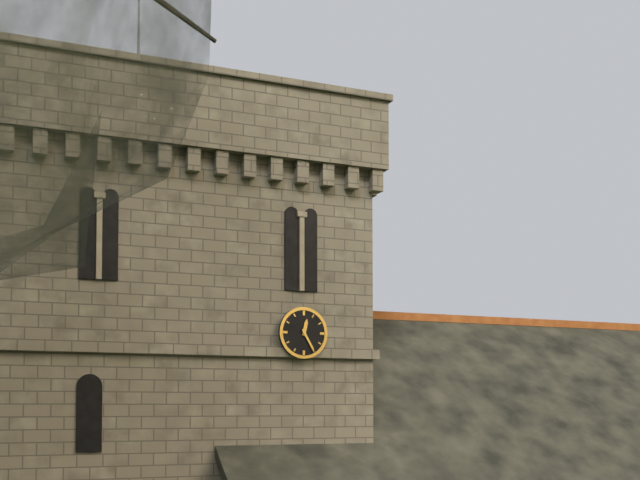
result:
12.25
